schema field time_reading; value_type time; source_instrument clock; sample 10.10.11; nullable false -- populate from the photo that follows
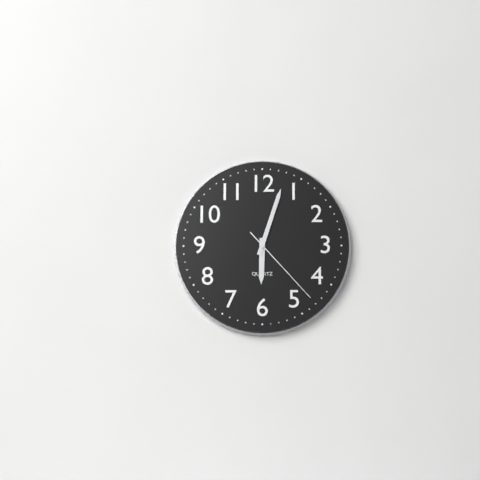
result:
6.03.23
